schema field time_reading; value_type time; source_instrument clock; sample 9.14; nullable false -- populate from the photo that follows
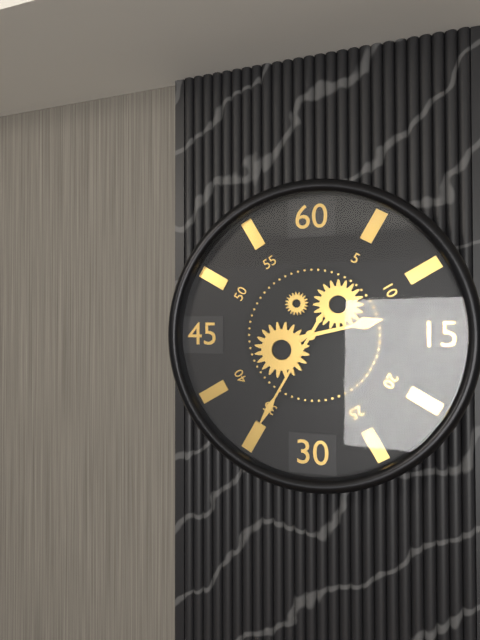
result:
2.35
